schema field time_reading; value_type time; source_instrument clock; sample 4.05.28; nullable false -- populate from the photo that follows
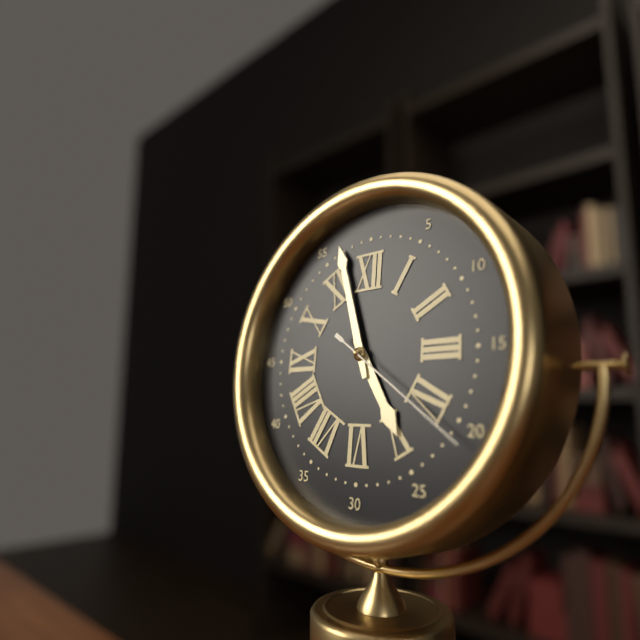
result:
4.57.21
